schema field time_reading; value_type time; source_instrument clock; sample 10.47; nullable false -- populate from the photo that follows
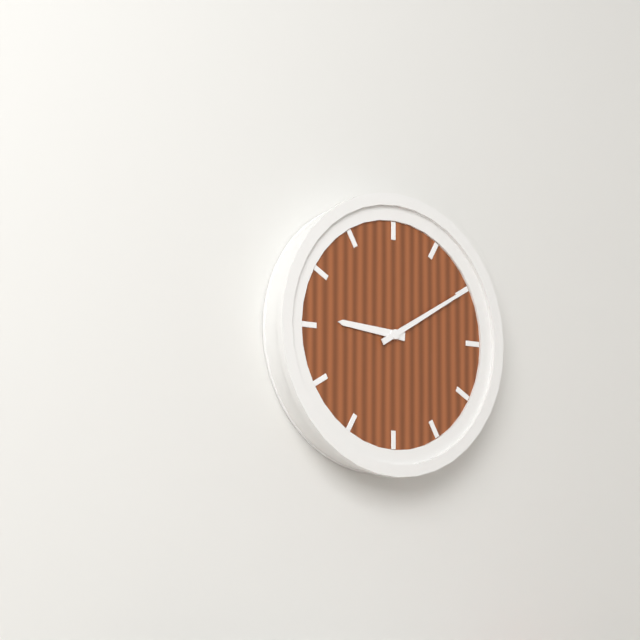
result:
9.10
